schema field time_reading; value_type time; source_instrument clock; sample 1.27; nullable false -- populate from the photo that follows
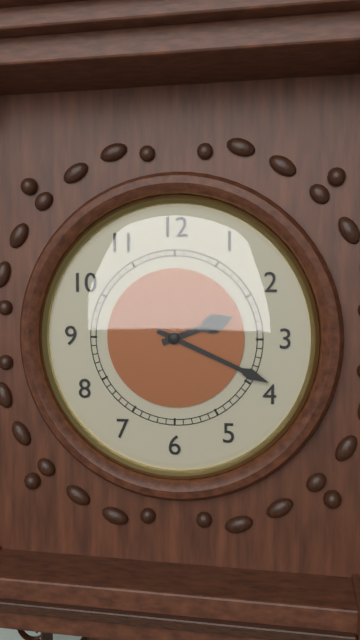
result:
2.19
